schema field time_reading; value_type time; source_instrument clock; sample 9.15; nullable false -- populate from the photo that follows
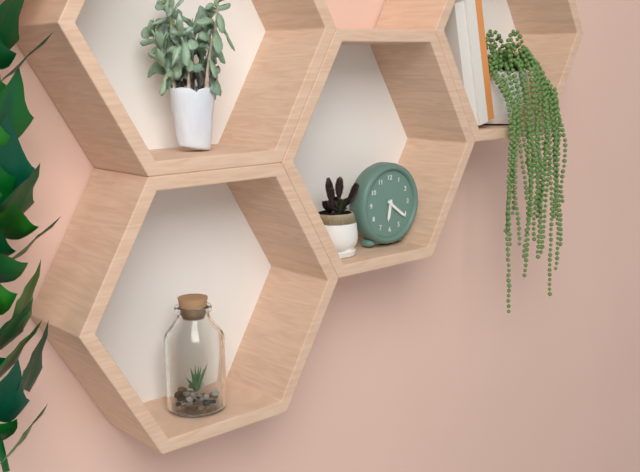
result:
6.21
